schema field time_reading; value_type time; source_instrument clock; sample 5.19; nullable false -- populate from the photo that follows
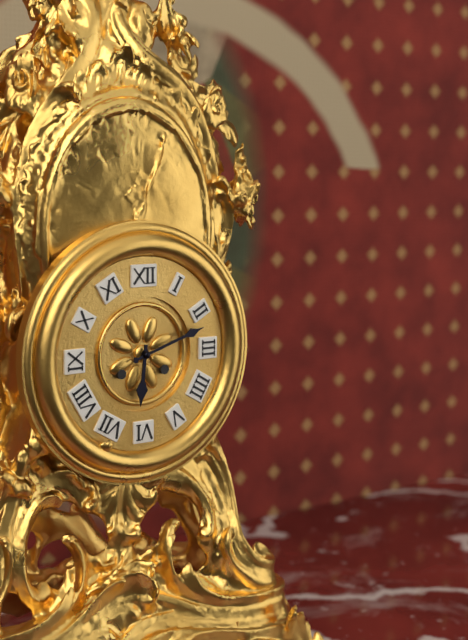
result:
6.12
